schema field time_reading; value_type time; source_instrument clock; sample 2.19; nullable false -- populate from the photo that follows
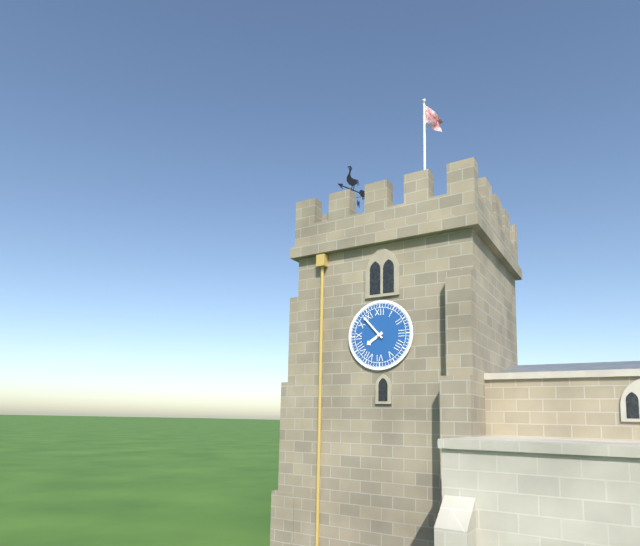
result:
7.53
